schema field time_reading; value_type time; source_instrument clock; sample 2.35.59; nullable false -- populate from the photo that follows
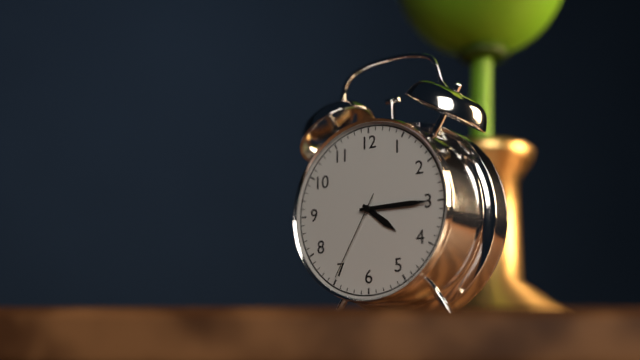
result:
4.15.35
